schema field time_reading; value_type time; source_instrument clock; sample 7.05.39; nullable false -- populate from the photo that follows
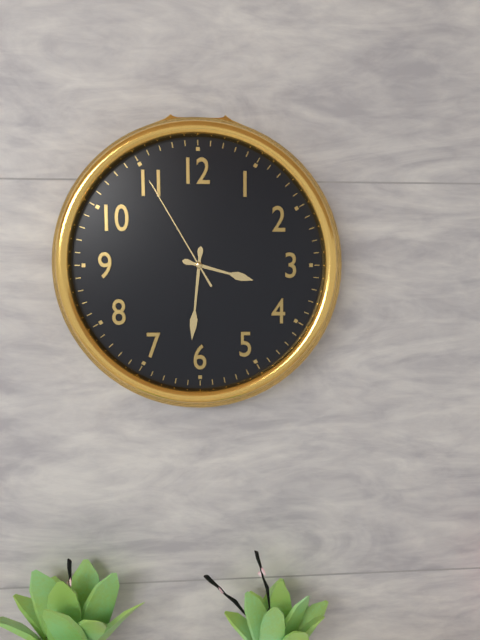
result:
3.31.55
